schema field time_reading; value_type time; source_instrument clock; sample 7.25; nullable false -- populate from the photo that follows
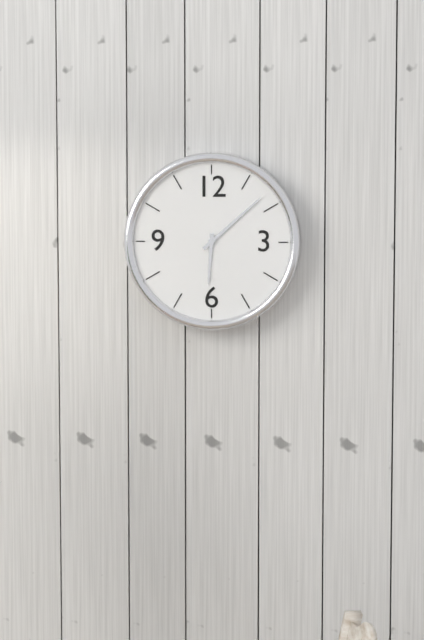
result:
6.08
